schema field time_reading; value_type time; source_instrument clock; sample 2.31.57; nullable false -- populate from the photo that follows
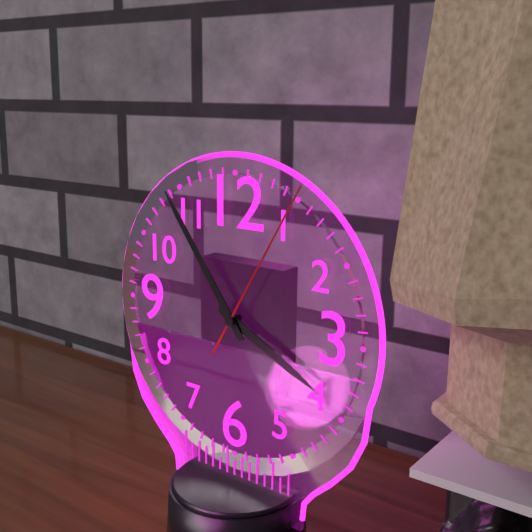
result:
3.54.05
